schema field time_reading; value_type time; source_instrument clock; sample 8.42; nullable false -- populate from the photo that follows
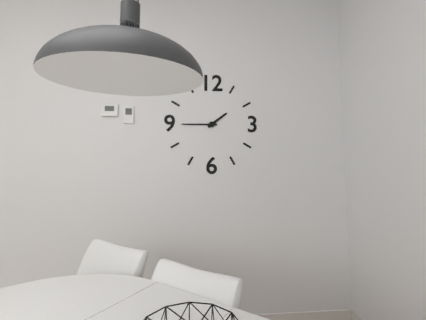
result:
1.45
